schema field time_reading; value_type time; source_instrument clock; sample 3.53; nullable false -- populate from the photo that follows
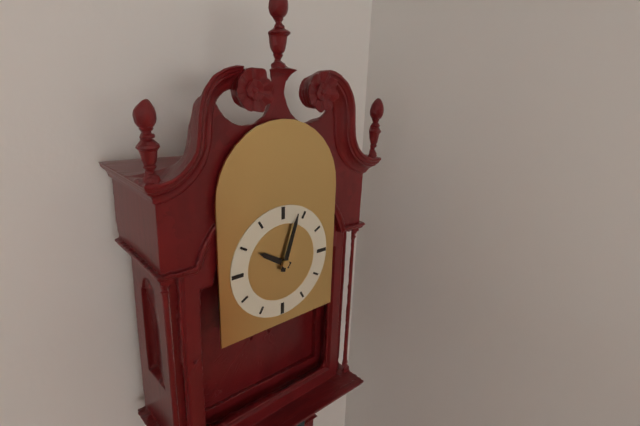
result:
10.03
